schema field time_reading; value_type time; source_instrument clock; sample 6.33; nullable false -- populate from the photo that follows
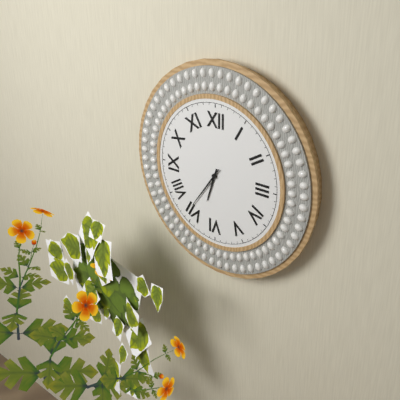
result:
6.36
